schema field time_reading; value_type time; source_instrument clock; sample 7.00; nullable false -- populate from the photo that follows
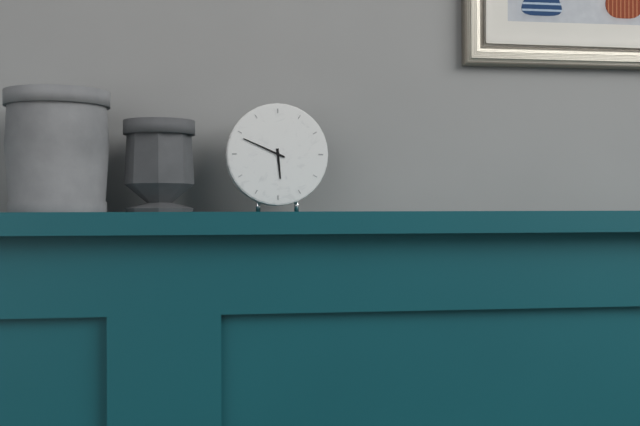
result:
5.49
